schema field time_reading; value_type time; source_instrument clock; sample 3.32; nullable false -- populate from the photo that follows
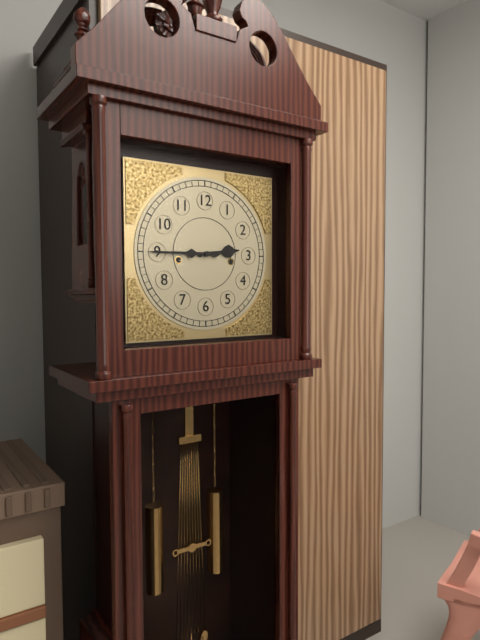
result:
2.45
